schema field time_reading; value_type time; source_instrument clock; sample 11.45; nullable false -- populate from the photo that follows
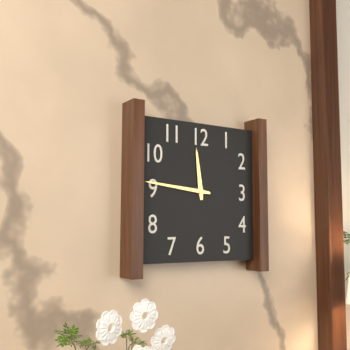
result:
11.46
